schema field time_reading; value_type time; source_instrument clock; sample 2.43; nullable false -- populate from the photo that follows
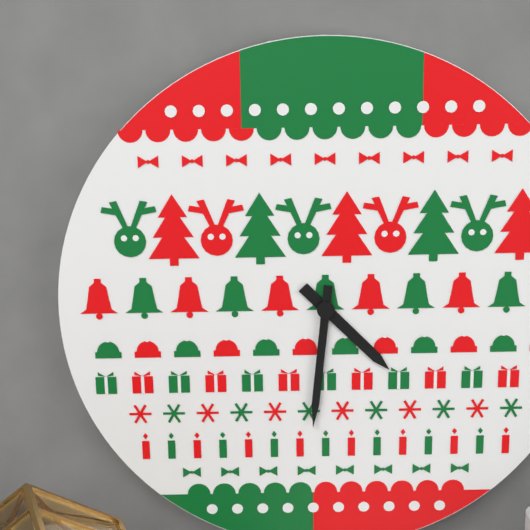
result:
4.31
